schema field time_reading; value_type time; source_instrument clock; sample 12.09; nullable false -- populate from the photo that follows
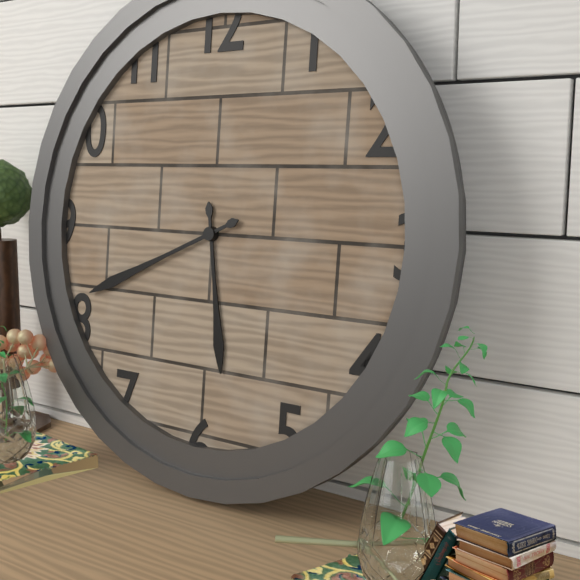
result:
5.41
